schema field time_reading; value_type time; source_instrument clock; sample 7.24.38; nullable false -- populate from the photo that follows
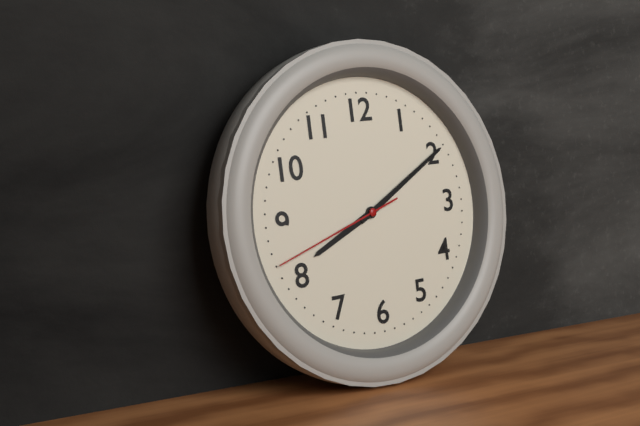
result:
8.10.42
